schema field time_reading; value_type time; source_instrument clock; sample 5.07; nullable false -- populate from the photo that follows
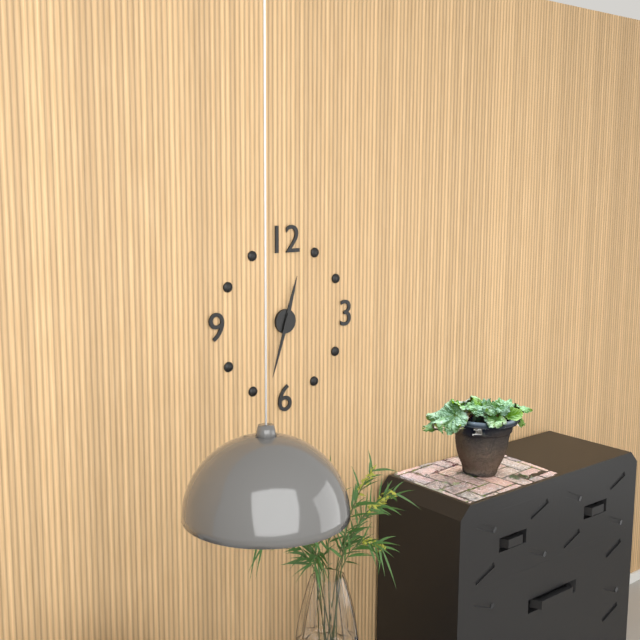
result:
12.33
